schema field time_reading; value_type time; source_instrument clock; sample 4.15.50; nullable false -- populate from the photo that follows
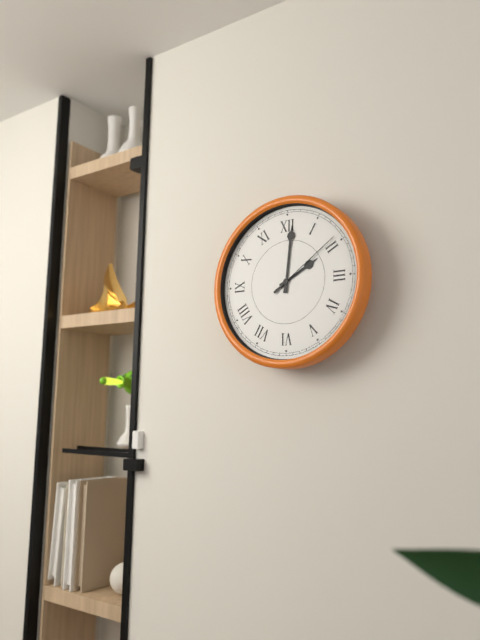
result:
2.01.09
